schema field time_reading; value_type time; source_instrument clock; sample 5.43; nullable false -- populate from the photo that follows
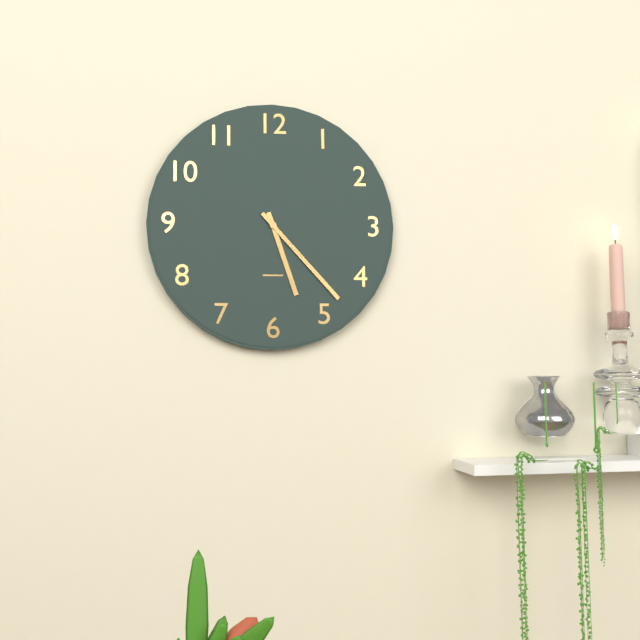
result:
5.23
